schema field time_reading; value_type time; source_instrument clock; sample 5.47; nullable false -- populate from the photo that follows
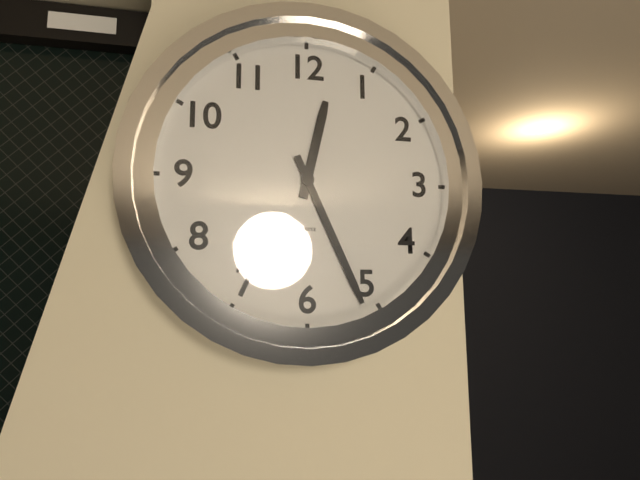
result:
12.26
